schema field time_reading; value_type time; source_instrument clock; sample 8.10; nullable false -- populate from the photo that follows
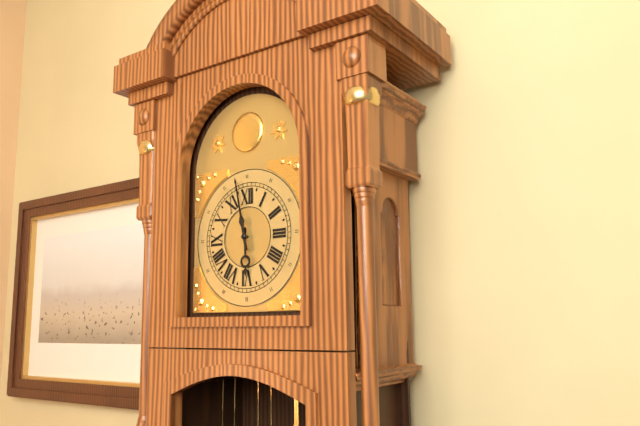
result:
5.58
